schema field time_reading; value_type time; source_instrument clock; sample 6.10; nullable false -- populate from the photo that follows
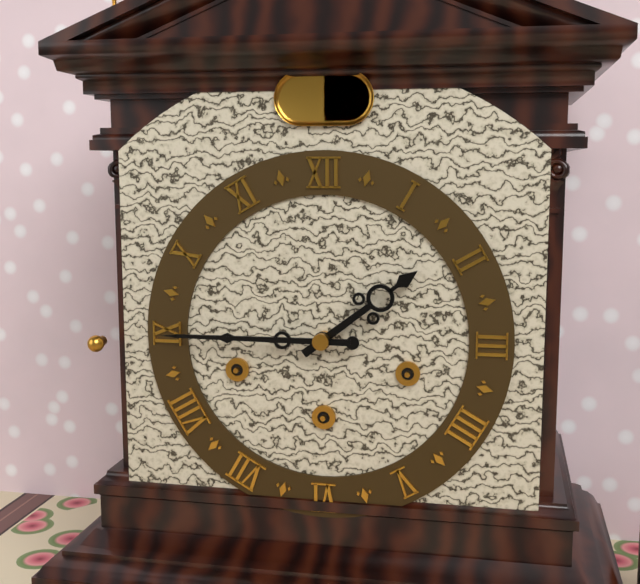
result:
1.45
